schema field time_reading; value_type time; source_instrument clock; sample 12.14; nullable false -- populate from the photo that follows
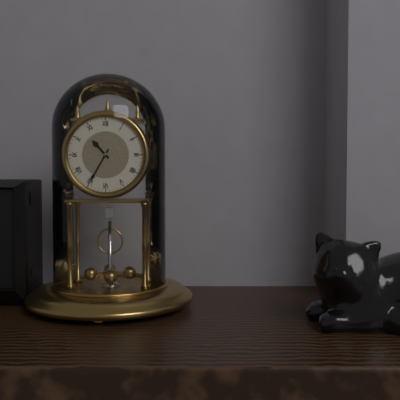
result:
10.35
